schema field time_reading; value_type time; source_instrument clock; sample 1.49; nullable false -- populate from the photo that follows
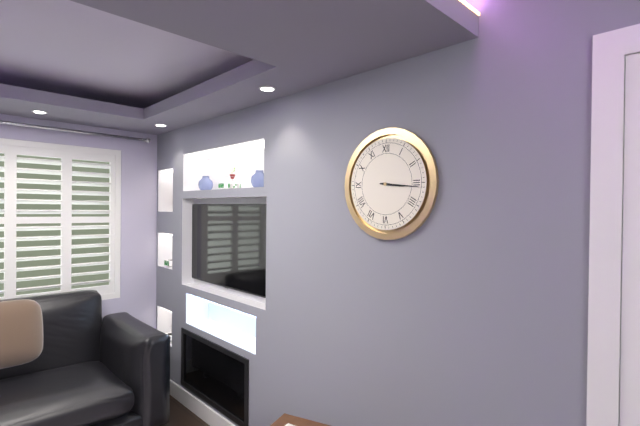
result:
3.16
